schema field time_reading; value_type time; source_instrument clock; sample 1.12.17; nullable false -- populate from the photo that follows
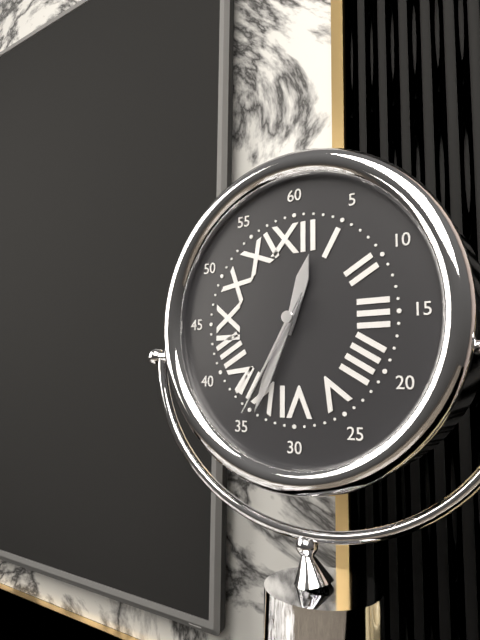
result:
12.34.35
